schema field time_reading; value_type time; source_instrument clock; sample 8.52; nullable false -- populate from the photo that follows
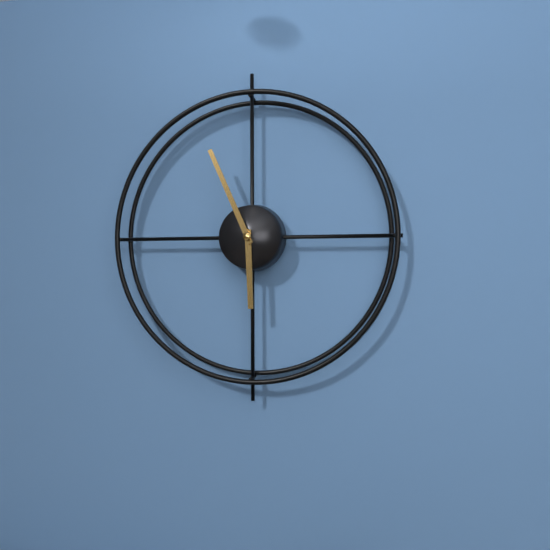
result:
5.56
